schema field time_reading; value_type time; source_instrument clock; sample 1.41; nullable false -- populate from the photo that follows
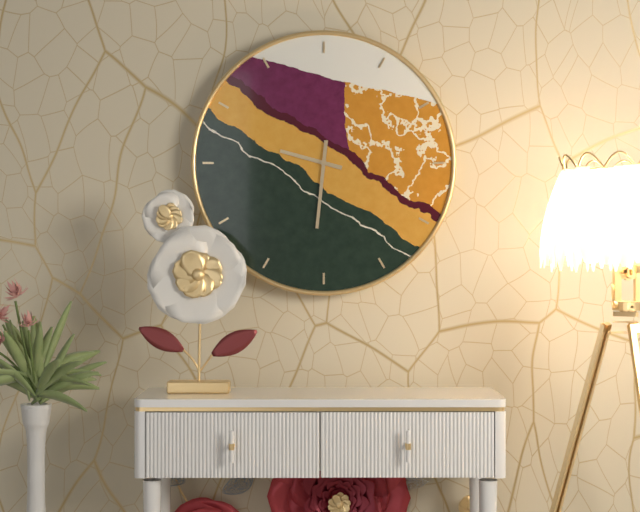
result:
9.31
